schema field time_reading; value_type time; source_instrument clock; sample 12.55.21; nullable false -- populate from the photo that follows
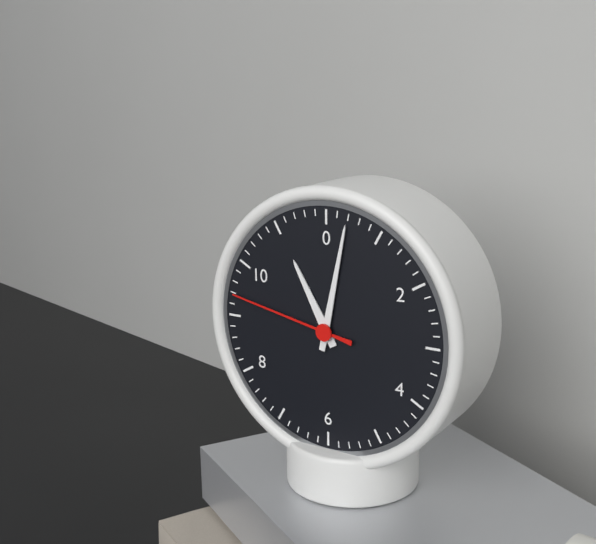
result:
11.02.47
